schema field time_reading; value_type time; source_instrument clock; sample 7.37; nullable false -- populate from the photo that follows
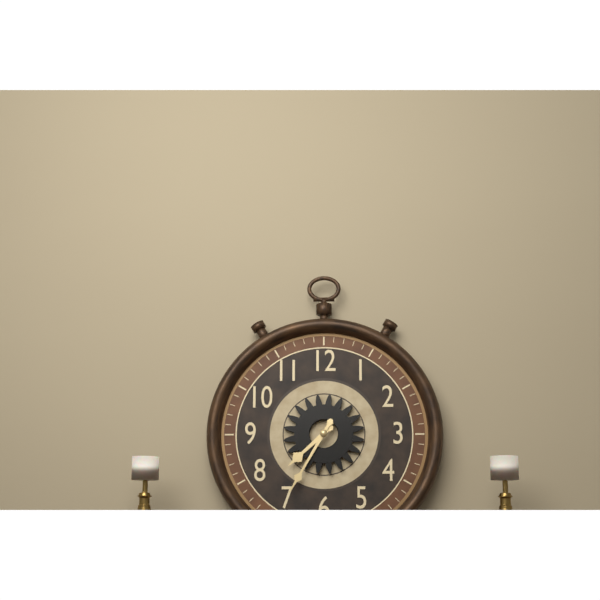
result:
7.35
